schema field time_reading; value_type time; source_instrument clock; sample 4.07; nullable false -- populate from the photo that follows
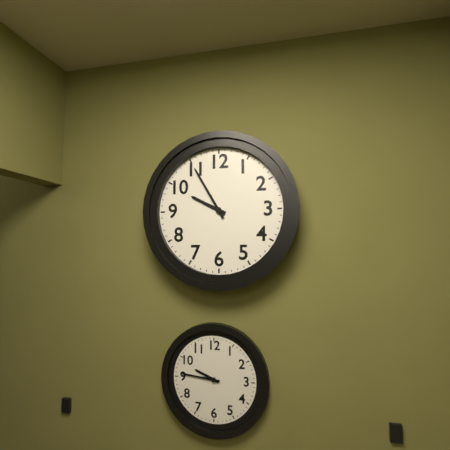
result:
9.55
